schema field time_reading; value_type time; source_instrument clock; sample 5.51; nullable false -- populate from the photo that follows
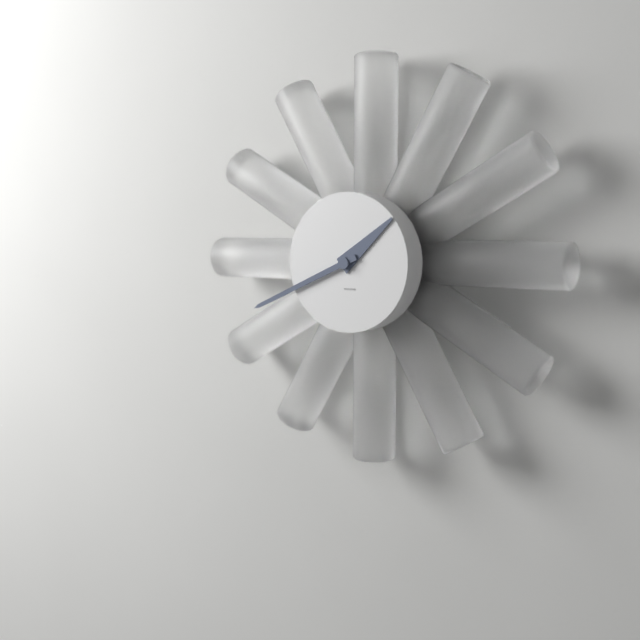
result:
1.41
